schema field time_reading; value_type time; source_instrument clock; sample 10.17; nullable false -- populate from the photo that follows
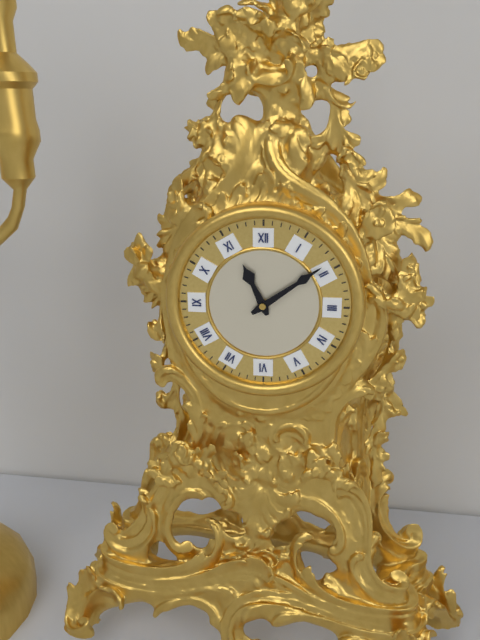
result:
11.09
